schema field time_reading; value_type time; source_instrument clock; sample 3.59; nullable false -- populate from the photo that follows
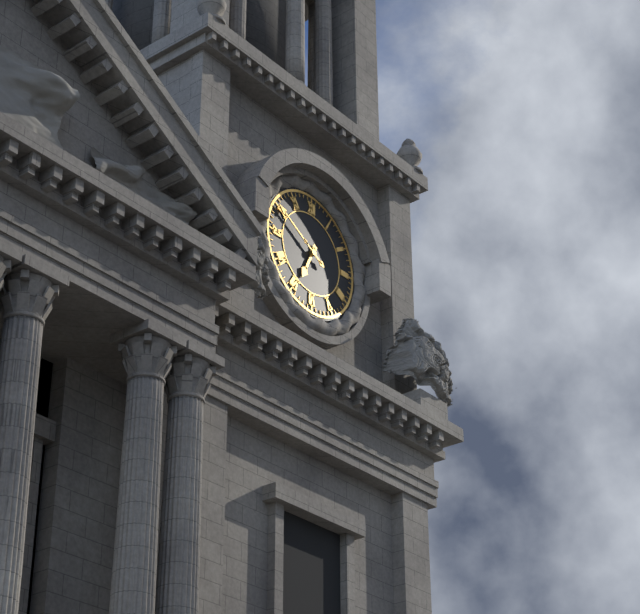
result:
6.50
